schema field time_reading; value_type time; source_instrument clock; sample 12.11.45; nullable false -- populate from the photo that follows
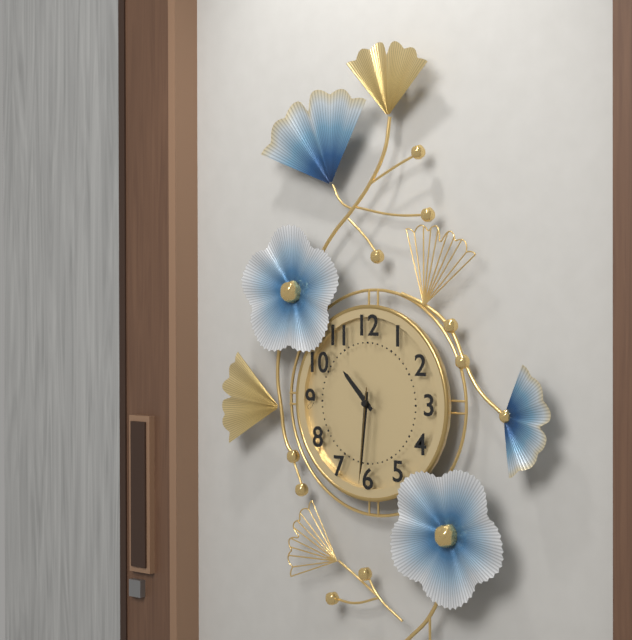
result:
10.31.31
